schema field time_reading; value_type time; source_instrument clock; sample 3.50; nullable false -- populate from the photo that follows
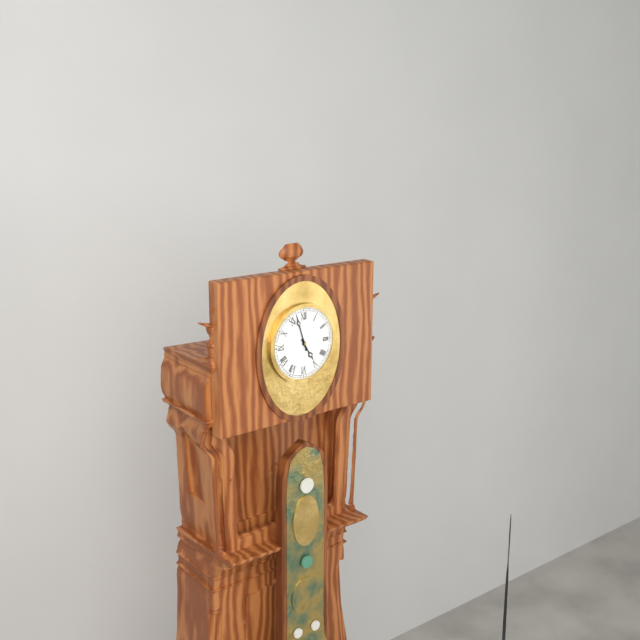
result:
4.57
